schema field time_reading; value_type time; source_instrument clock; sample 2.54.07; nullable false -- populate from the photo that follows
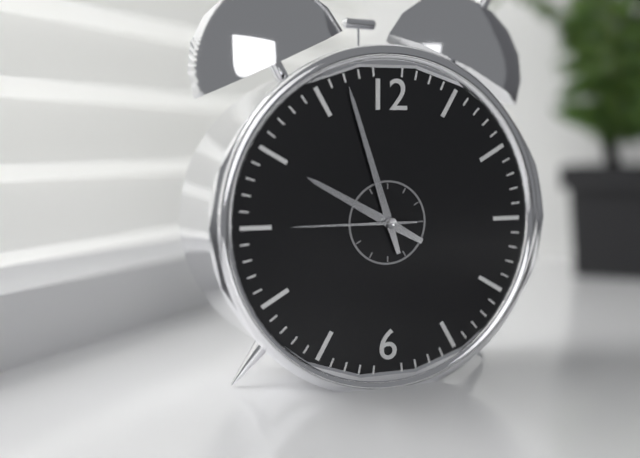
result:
9.57.45
